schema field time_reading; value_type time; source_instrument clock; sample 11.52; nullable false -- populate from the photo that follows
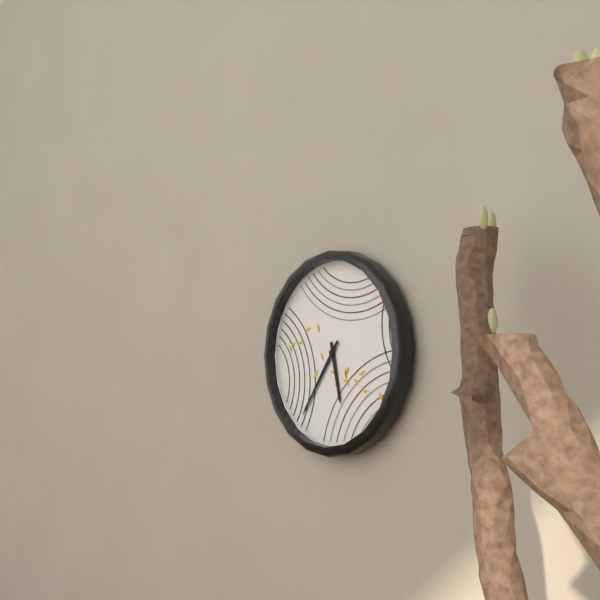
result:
5.36
